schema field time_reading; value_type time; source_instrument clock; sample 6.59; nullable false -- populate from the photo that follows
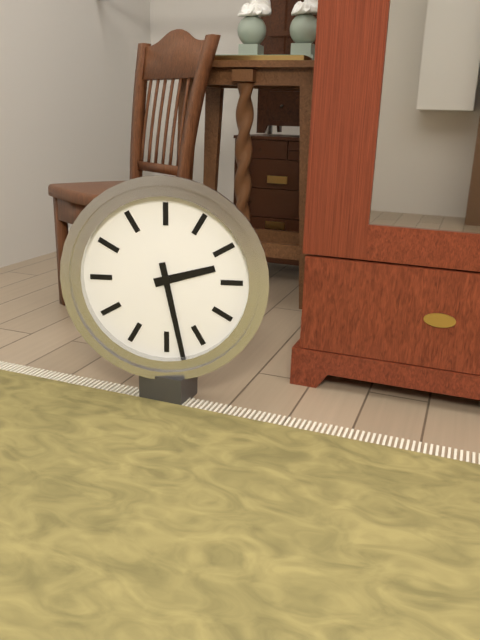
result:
2.28
